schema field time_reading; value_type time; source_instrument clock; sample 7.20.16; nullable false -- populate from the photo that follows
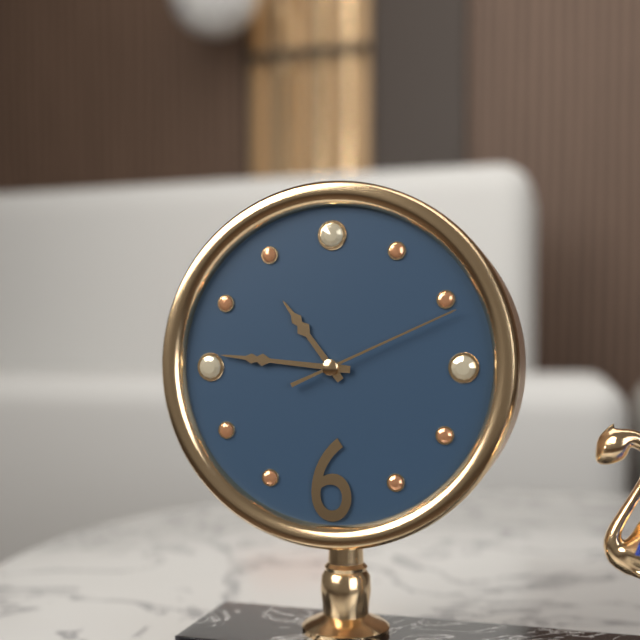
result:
10.46.11
